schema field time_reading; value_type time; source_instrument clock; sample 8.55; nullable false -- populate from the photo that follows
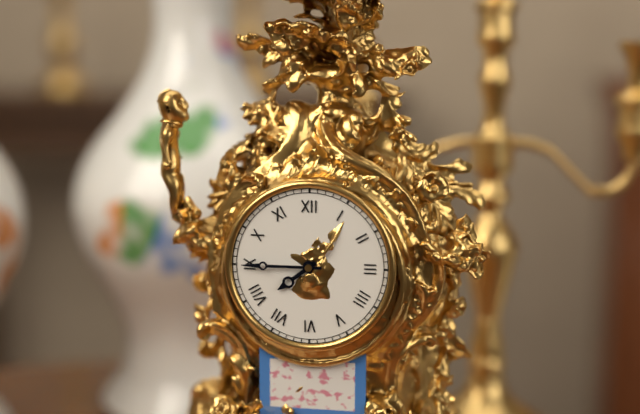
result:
7.45
